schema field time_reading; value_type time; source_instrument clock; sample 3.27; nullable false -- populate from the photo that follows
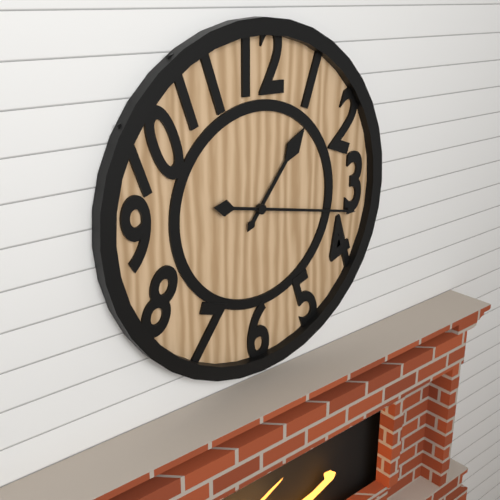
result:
1.17
